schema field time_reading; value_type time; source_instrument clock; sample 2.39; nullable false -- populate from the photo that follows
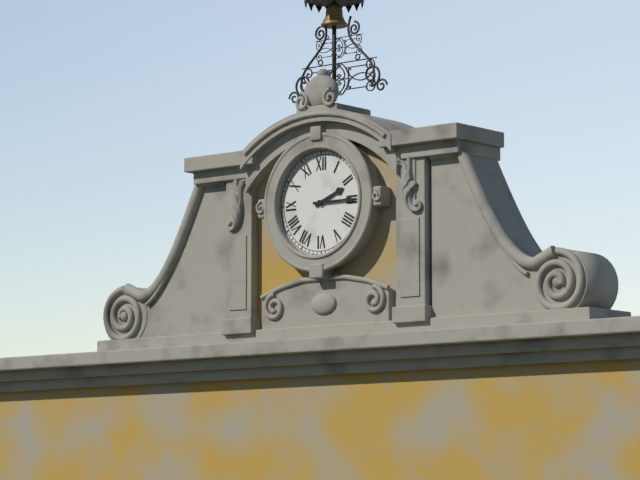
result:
2.15
